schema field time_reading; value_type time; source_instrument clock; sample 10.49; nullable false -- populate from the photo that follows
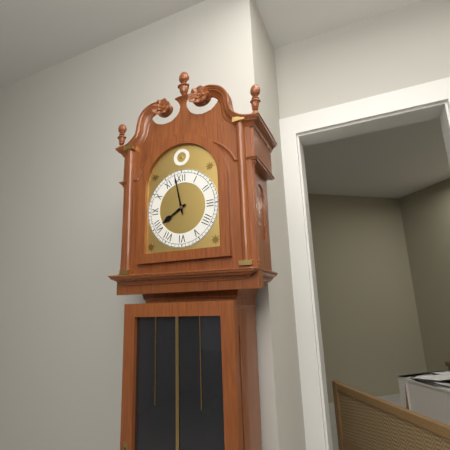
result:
7.58
